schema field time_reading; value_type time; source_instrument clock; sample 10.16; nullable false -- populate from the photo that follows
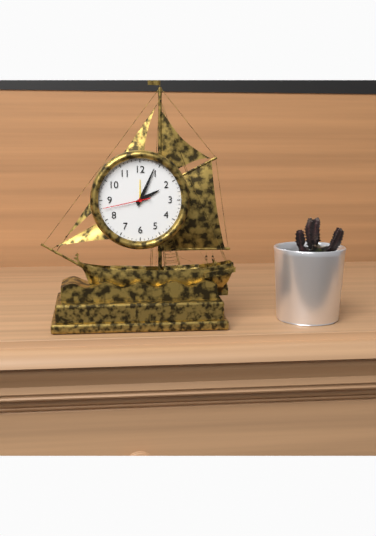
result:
2.04
